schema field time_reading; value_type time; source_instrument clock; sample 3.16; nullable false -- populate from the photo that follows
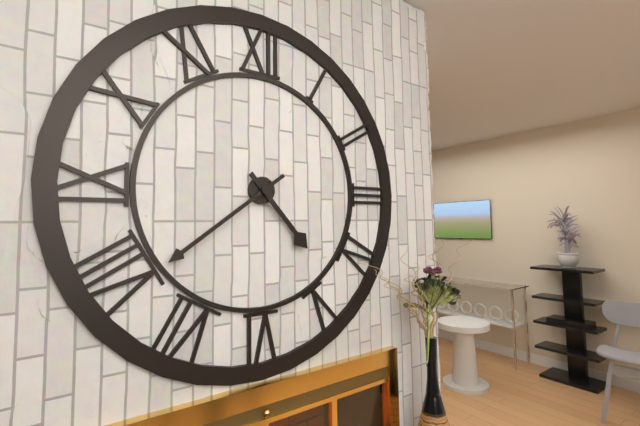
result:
4.39
